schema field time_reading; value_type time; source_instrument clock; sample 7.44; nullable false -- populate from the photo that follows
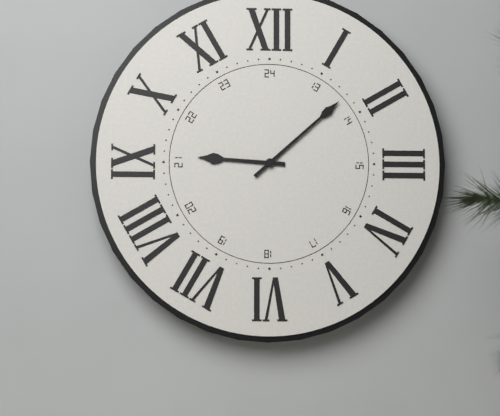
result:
9.08
